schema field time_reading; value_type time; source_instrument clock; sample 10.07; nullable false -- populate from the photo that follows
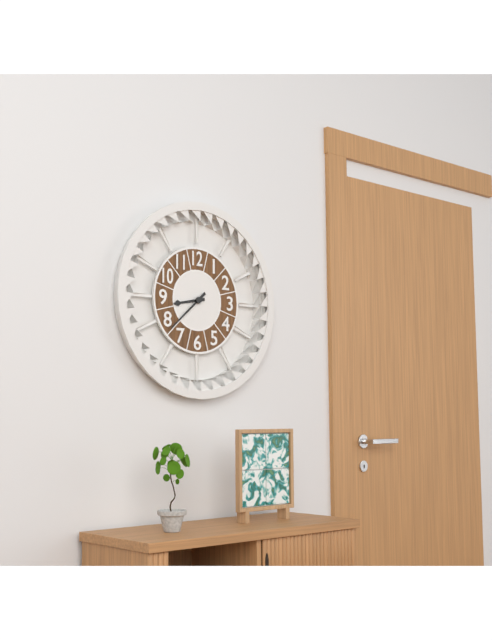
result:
8.38
